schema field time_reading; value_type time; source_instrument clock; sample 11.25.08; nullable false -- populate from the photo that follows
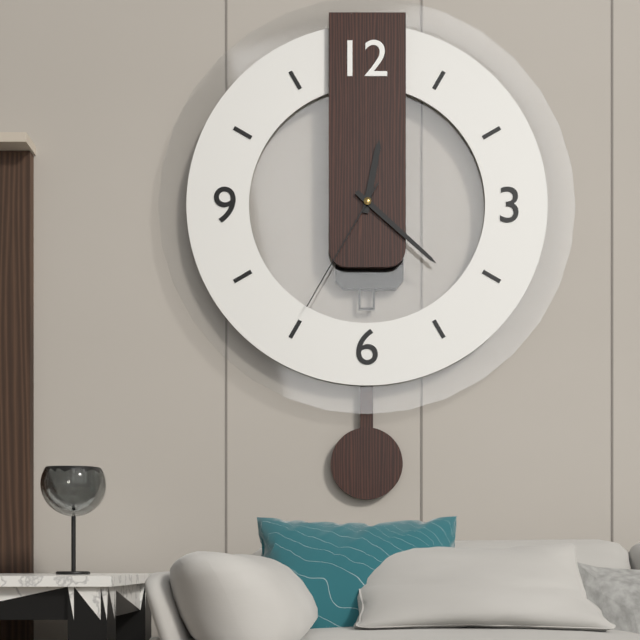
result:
12.22.35
